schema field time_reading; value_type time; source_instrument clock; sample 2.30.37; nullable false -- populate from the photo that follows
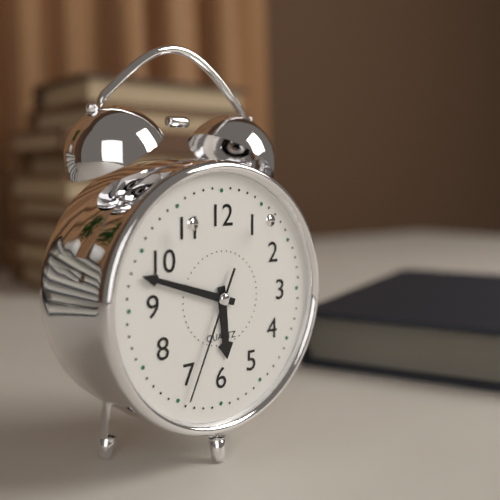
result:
5.48.34
